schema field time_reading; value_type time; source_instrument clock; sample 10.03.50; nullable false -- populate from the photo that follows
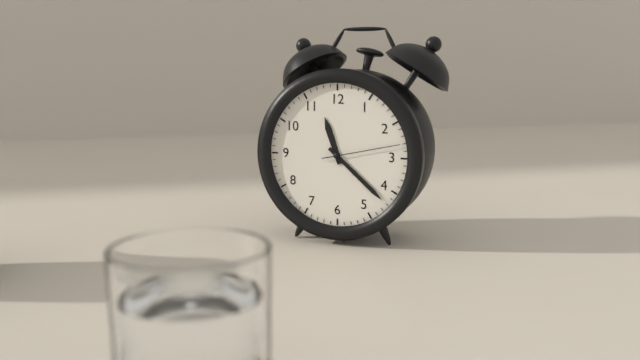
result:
11.22.13
